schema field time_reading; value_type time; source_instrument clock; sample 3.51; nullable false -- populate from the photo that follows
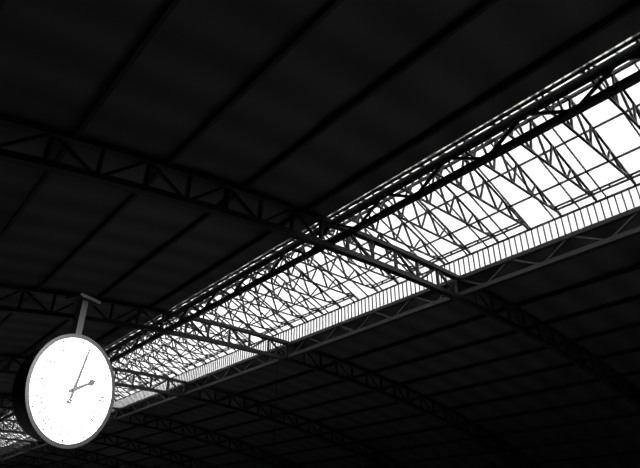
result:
2.02
